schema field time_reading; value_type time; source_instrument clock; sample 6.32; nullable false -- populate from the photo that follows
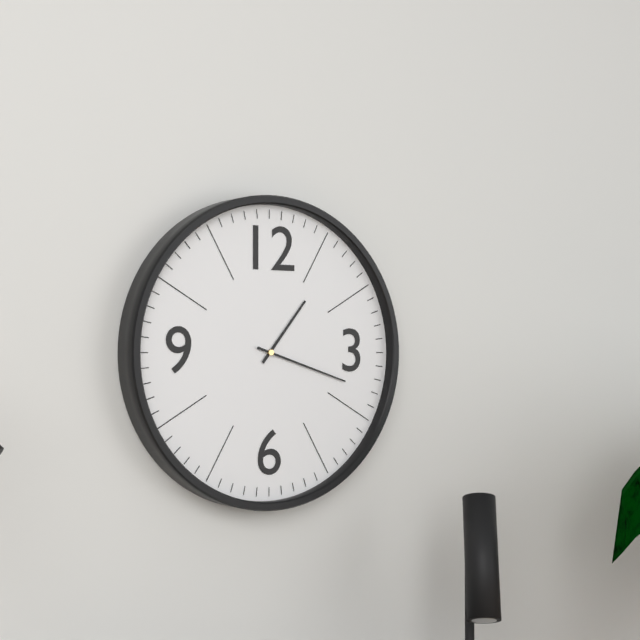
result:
1.18
